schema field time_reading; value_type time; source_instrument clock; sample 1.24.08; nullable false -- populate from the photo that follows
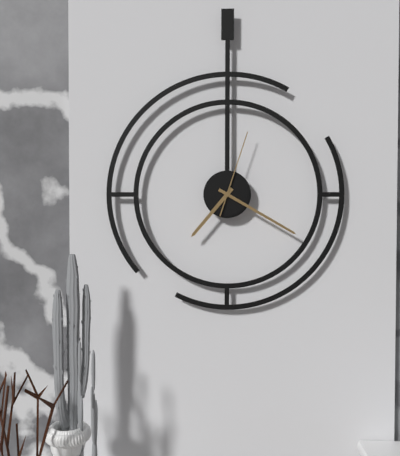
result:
7.20.03
